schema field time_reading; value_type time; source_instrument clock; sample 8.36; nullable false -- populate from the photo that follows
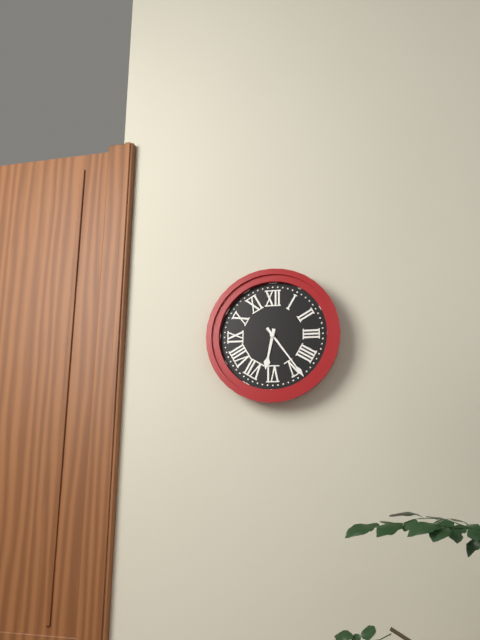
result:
6.24
